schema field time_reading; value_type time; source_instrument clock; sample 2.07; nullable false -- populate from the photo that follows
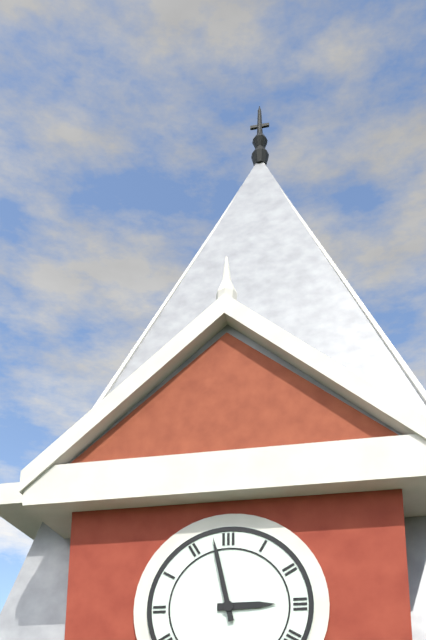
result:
2.58
